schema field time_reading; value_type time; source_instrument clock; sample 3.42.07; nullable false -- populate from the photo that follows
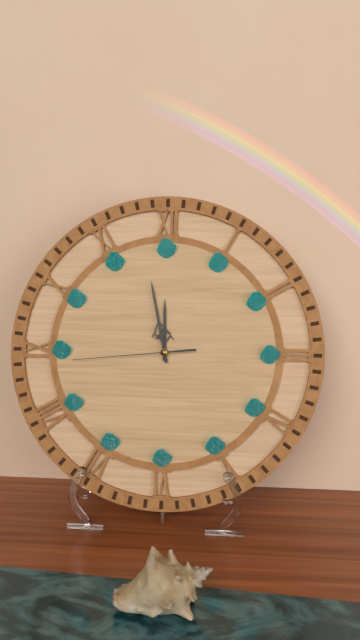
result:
11.58.44
